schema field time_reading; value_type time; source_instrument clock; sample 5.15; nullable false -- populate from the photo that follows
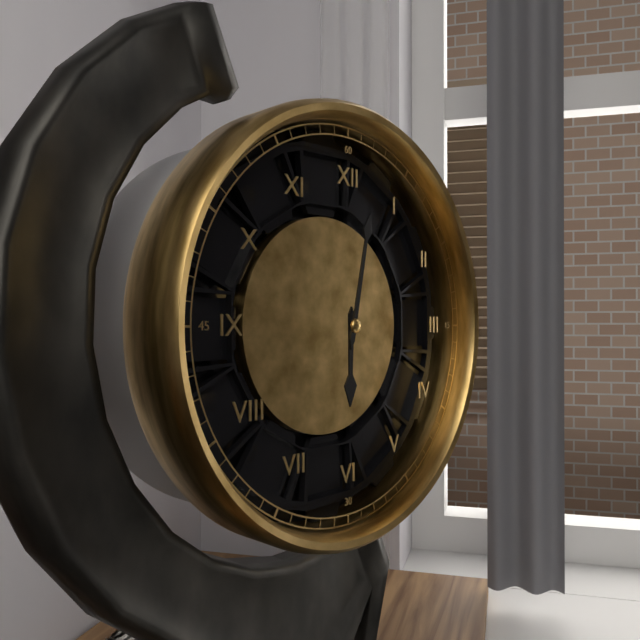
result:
6.02
